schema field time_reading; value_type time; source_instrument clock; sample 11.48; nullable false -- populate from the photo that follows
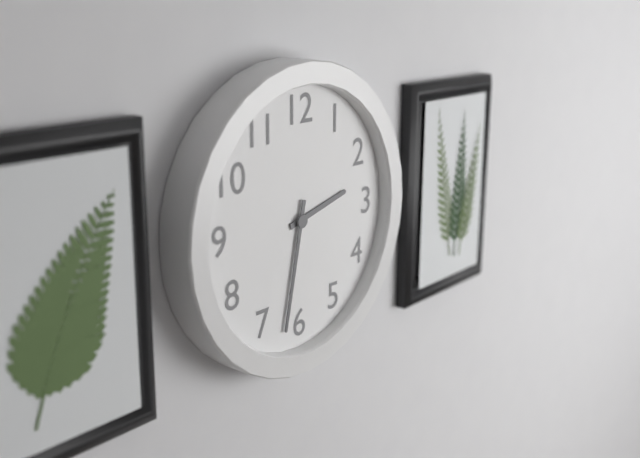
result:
2.32
